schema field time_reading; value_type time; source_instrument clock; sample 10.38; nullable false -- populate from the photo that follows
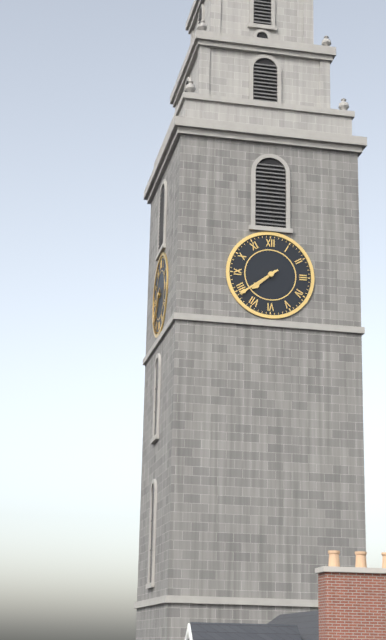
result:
7.39
